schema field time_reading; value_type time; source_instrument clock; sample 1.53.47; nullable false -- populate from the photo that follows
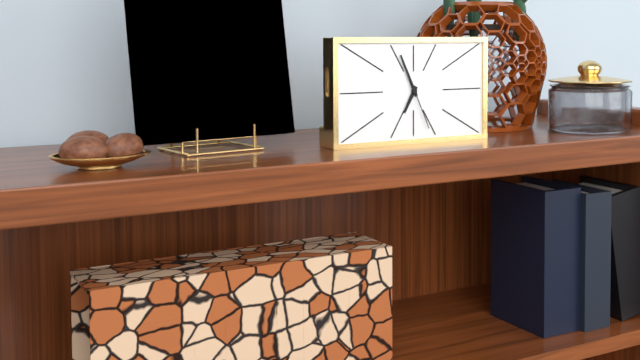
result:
6.56.26
